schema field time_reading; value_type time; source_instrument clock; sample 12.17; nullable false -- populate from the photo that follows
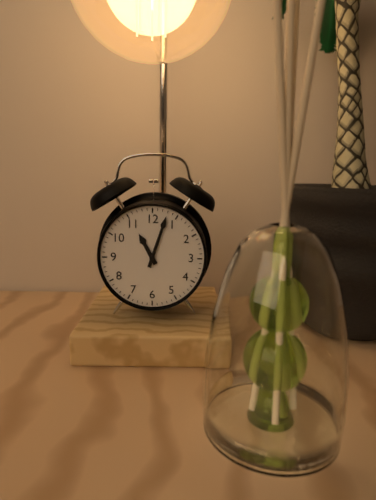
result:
11.03
